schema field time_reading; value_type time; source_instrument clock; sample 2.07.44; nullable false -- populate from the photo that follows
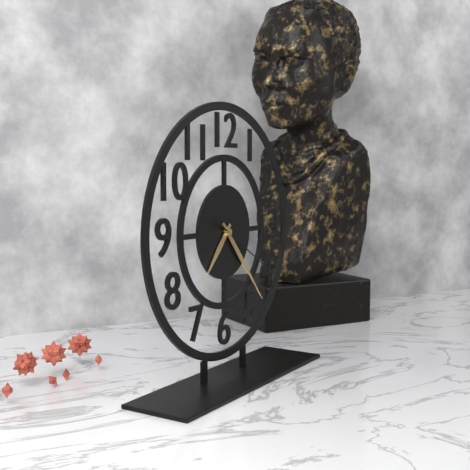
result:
7.23.20
